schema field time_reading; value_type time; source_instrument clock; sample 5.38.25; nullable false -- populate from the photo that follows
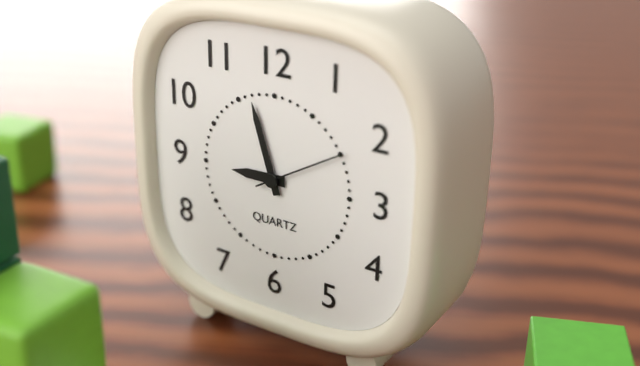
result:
8.57.10
